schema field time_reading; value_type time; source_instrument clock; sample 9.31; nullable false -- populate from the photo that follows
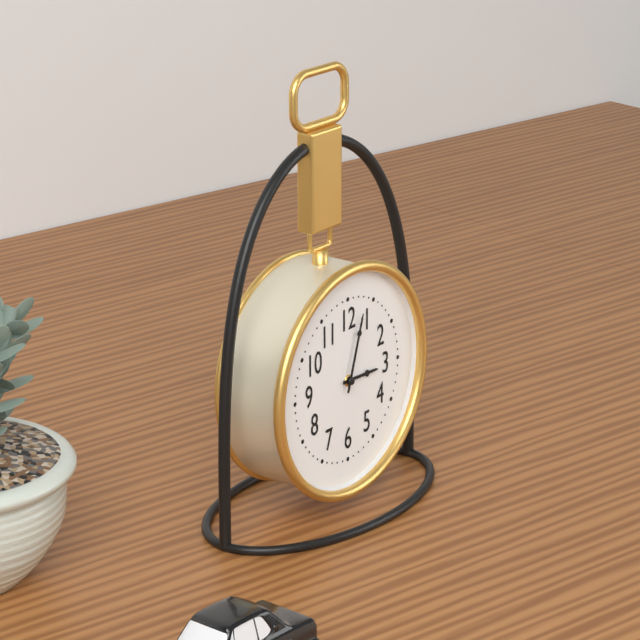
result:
3.03
